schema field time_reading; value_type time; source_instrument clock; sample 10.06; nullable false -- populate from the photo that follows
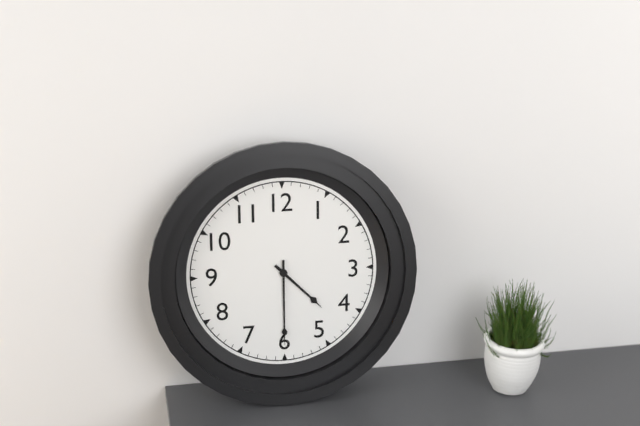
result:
4.30
